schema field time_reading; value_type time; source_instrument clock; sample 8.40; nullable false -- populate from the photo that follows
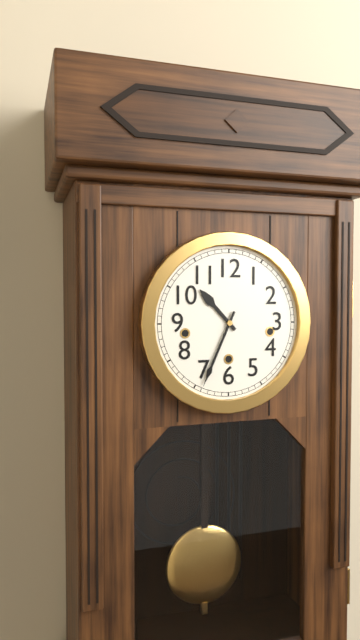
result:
10.34
